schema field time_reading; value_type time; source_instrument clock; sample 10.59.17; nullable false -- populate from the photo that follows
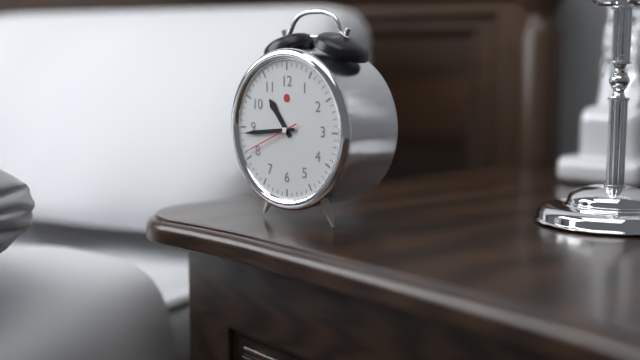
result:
10.44.41
